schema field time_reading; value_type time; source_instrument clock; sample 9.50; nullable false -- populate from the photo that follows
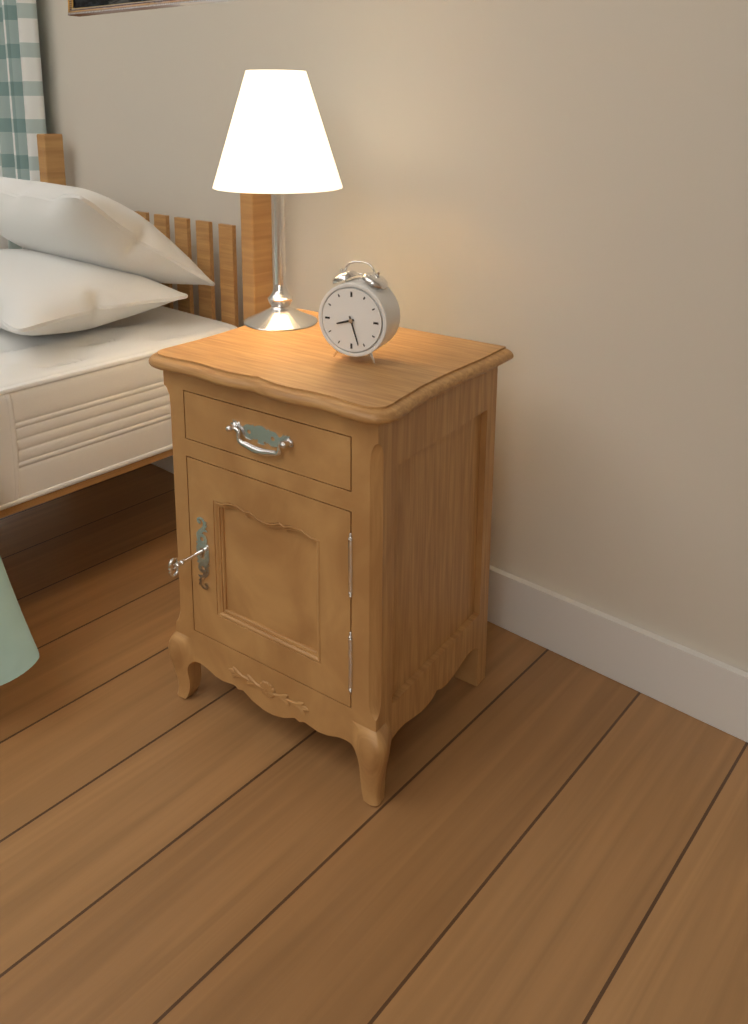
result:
8.27
